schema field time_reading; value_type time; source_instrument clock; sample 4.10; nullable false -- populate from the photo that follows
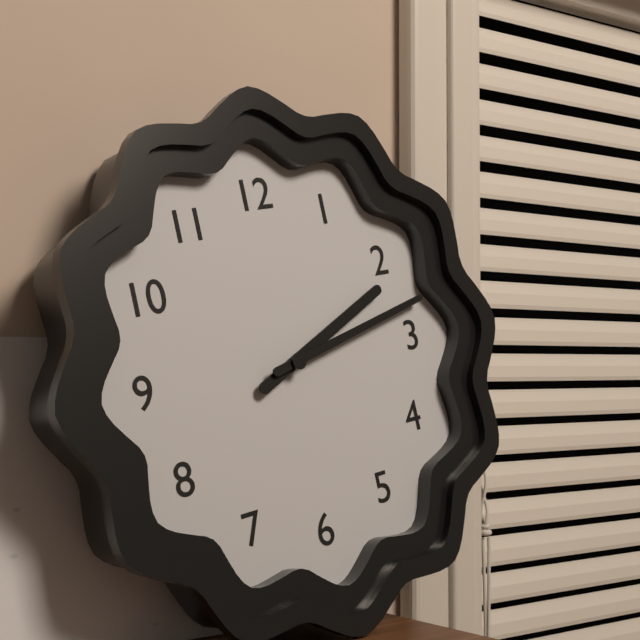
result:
2.13
